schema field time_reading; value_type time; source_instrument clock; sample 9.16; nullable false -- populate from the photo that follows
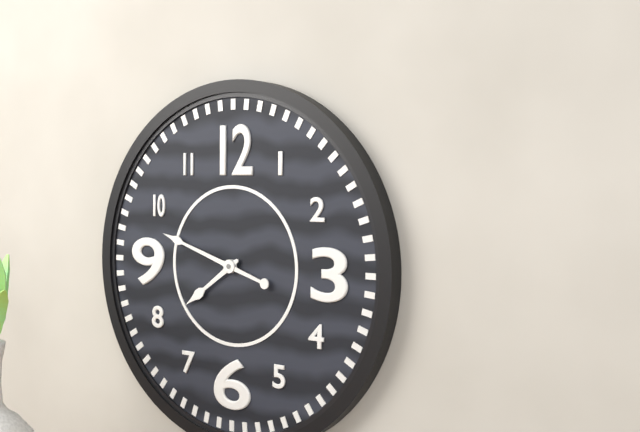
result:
7.48
